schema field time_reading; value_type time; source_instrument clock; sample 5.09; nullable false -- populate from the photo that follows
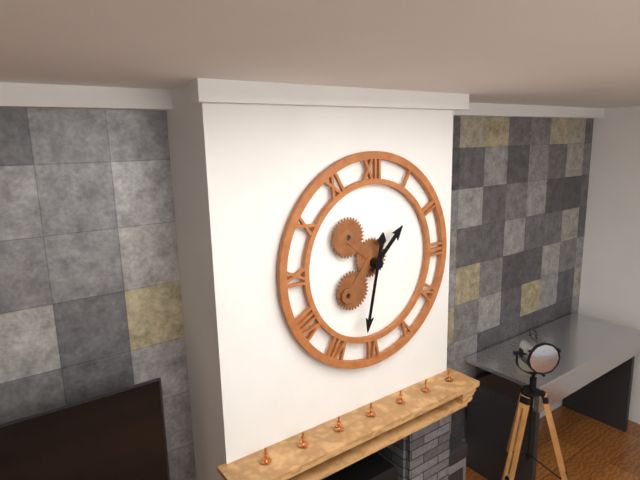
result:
1.32
